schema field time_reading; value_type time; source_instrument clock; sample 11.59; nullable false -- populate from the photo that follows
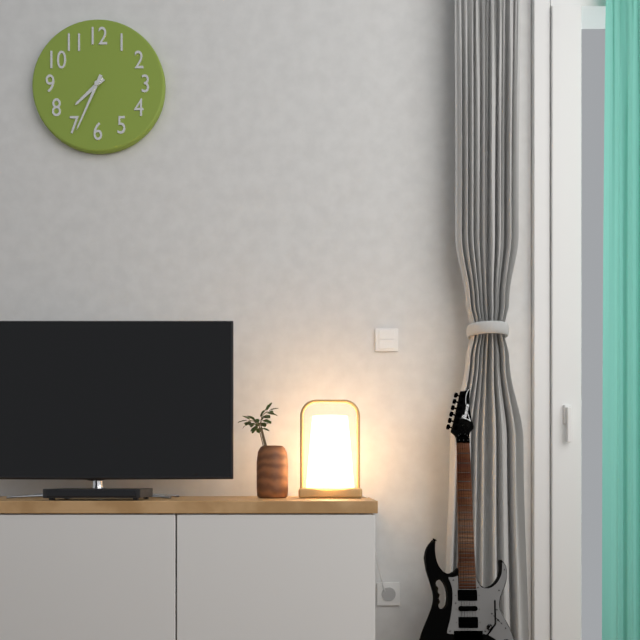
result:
7.34
